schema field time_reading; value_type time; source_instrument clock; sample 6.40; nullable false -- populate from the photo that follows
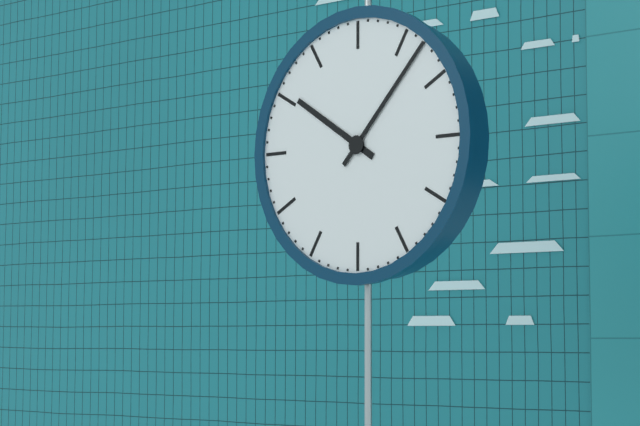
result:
10.07
